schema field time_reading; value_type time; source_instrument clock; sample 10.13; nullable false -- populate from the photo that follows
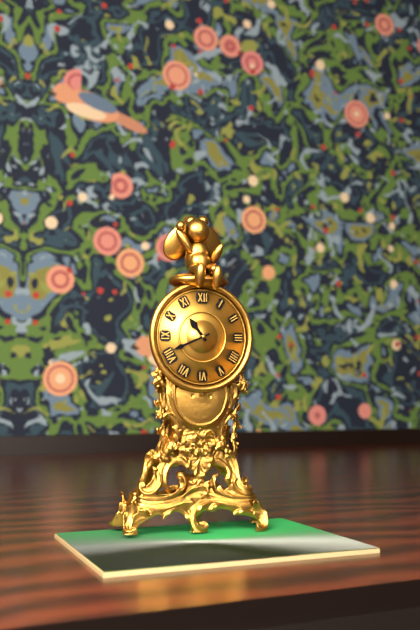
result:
10.41
